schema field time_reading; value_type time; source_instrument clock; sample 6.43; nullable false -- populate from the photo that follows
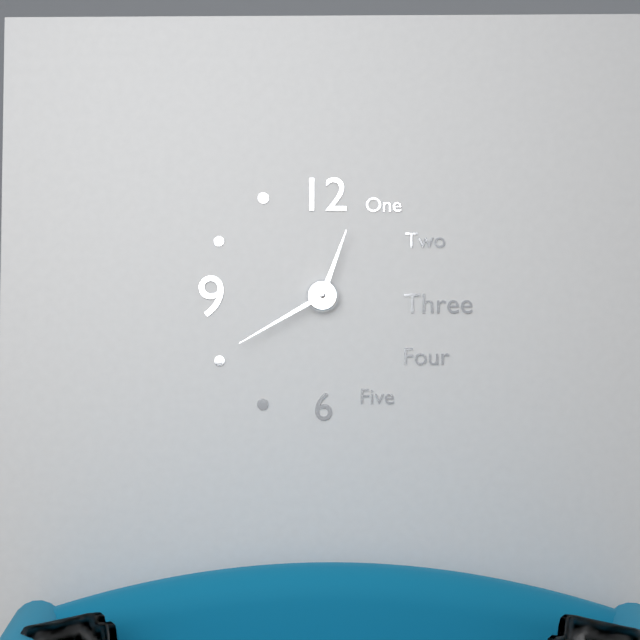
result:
12.40
